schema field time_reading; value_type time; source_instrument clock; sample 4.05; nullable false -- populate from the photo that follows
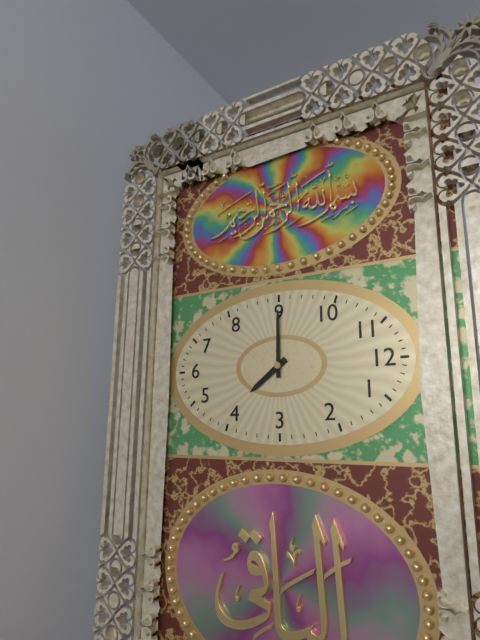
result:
4.45
